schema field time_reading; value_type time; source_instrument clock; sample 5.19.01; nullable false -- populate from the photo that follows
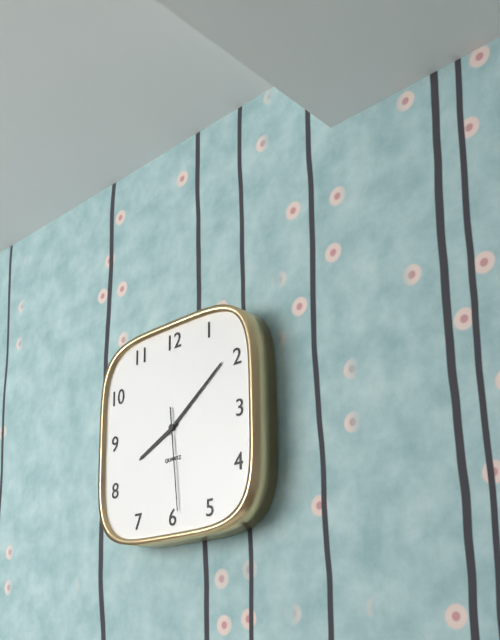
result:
8.09.29
